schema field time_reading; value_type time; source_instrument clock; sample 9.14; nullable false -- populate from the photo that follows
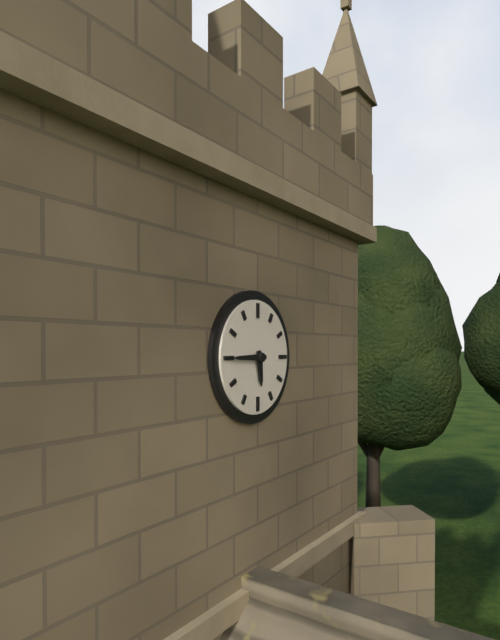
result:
5.45
